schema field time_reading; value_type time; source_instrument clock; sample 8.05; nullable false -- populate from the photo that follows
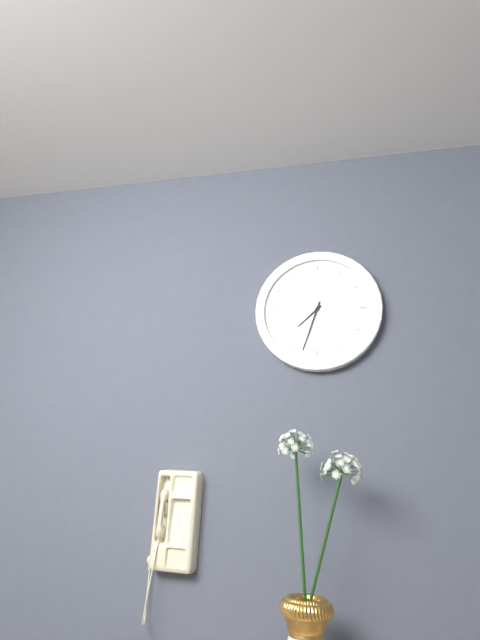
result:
7.33
